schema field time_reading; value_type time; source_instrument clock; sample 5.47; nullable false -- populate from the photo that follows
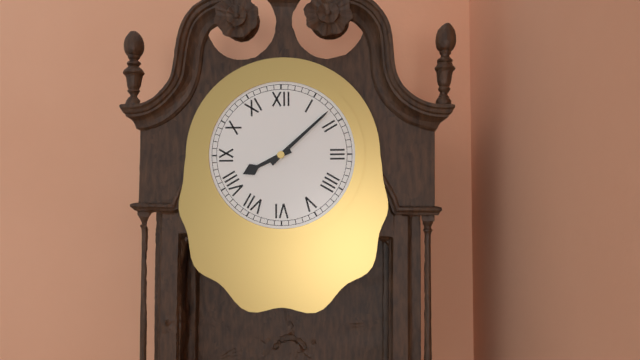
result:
8.08
